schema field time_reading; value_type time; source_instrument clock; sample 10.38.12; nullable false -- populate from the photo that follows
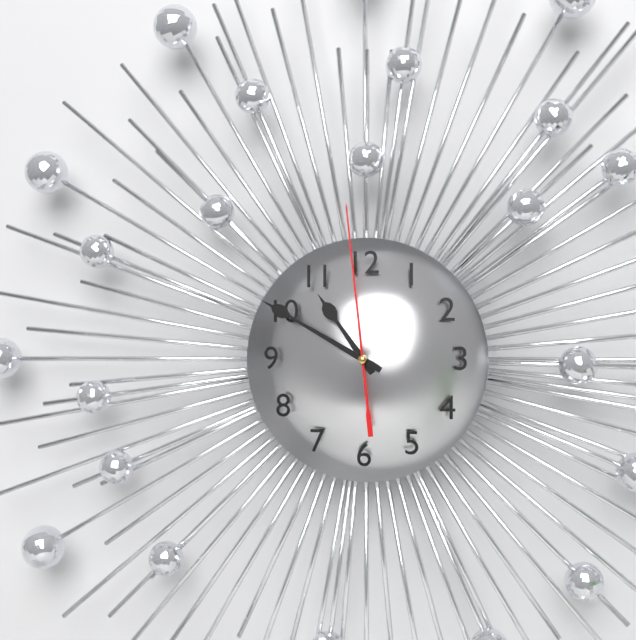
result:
10.50.59
